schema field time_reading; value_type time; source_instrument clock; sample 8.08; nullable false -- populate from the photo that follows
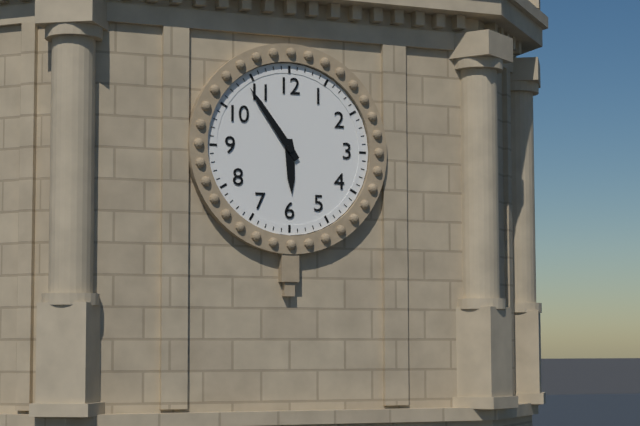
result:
5.54
